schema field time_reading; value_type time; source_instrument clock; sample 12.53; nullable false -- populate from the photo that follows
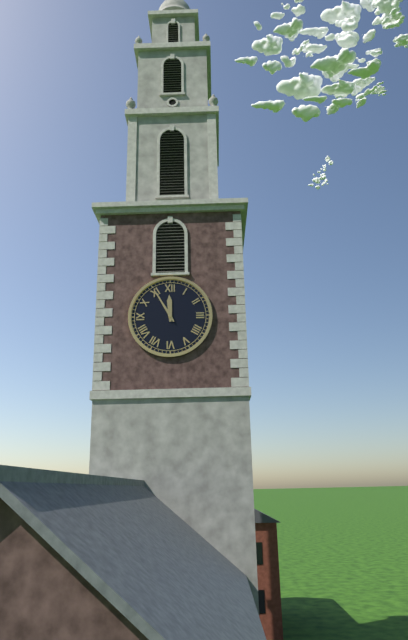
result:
11.55
